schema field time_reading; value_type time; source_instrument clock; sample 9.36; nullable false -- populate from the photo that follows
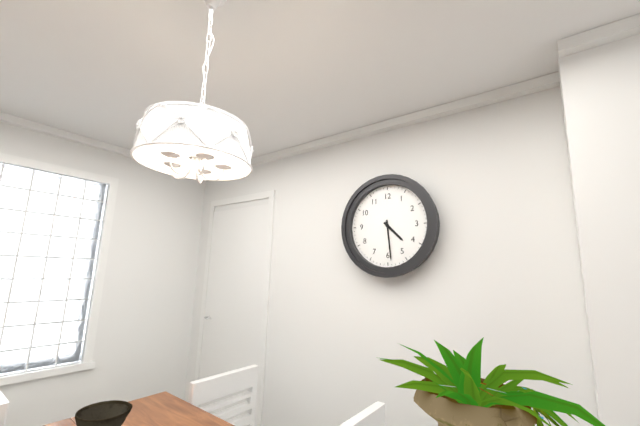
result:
4.29
